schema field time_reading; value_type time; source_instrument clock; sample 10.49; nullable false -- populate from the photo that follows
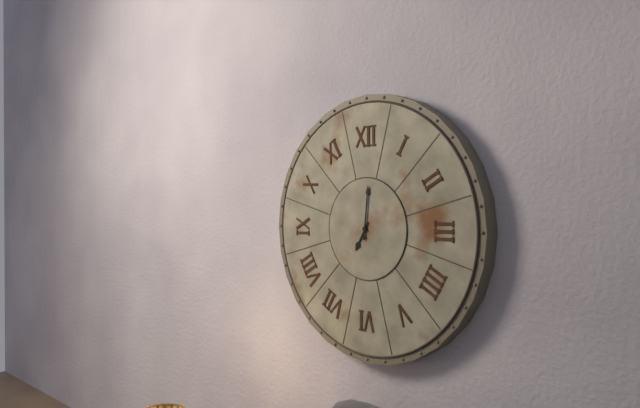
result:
7.01
